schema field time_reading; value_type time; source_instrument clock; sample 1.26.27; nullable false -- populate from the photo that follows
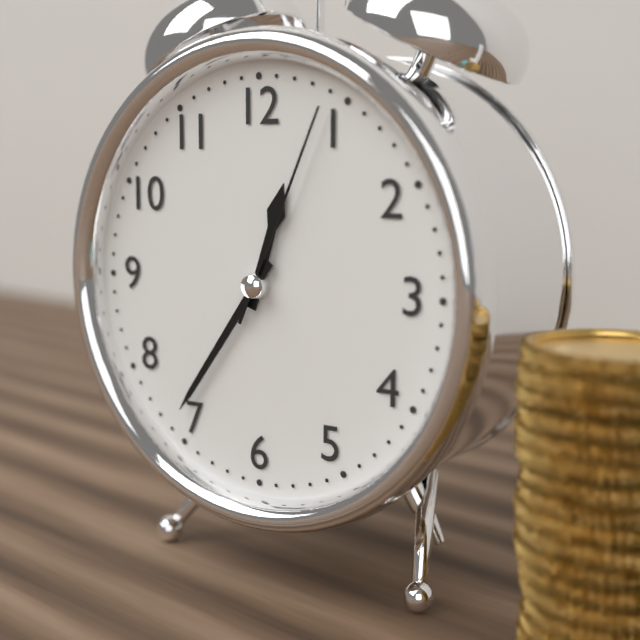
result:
12.36.04
